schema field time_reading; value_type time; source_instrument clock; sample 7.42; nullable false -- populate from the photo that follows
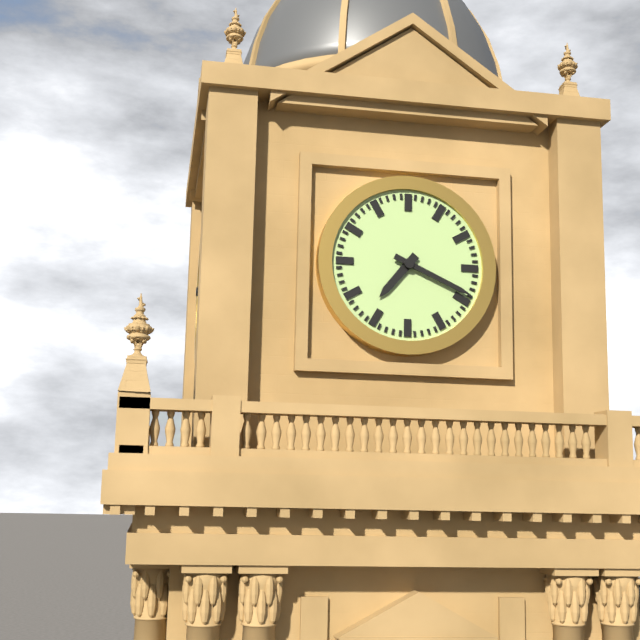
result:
7.19
